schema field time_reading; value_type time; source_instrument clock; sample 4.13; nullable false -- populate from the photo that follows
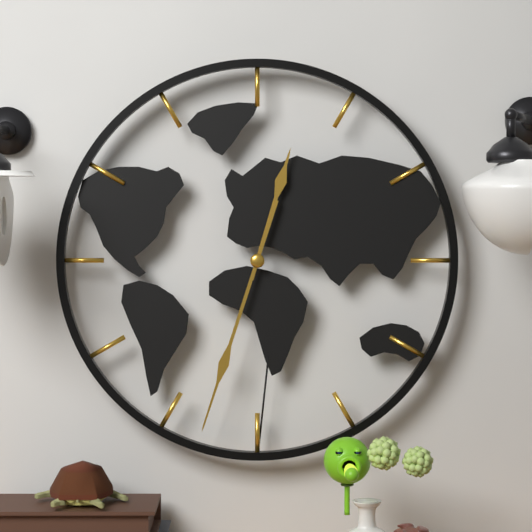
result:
12.33
